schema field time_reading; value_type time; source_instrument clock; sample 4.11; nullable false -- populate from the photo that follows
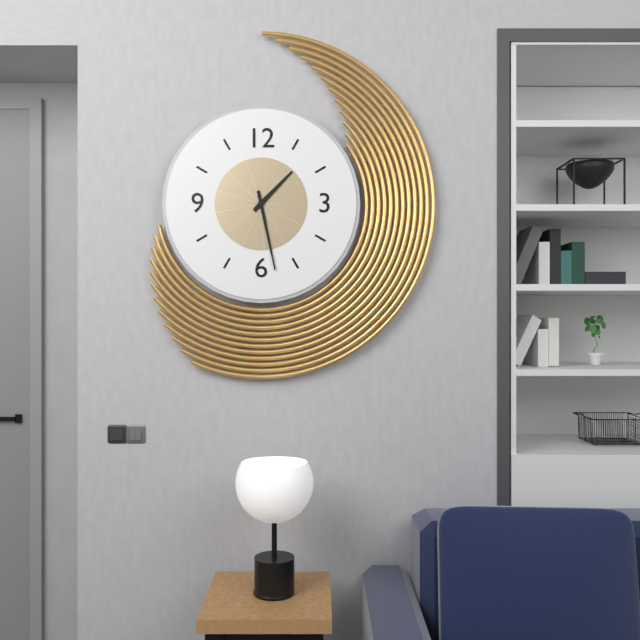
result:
1.28
